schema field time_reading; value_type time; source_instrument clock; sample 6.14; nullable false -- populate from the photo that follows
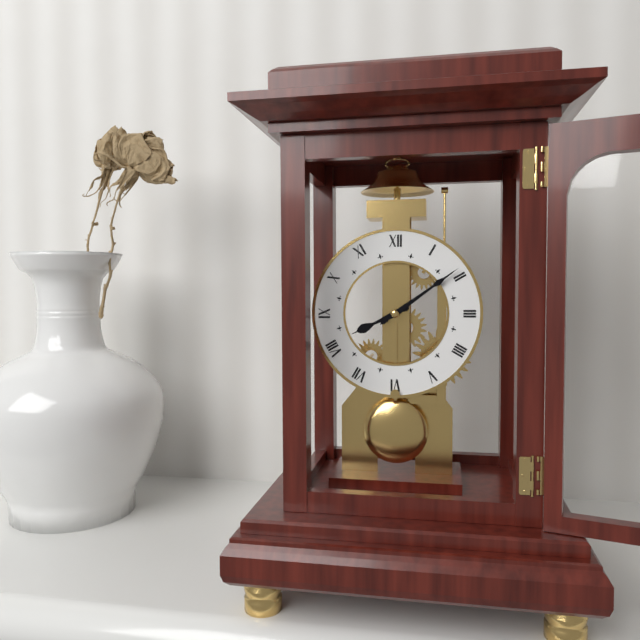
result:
8.09
